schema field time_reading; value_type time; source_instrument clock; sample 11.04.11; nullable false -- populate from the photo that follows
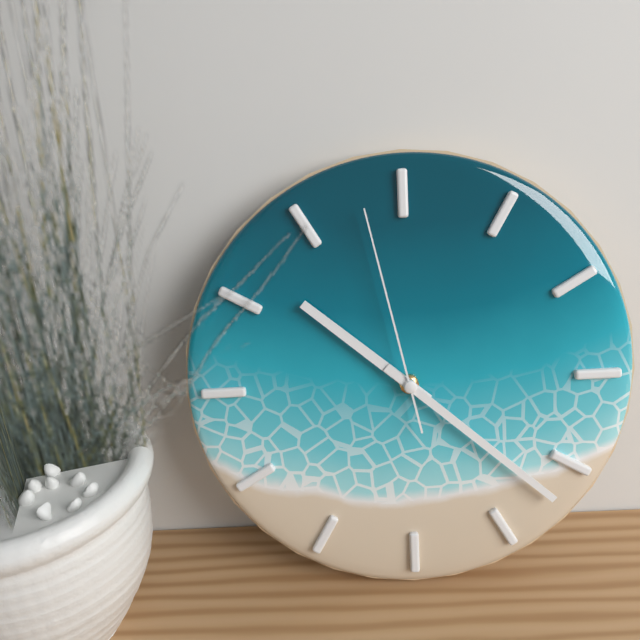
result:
10.22.58
